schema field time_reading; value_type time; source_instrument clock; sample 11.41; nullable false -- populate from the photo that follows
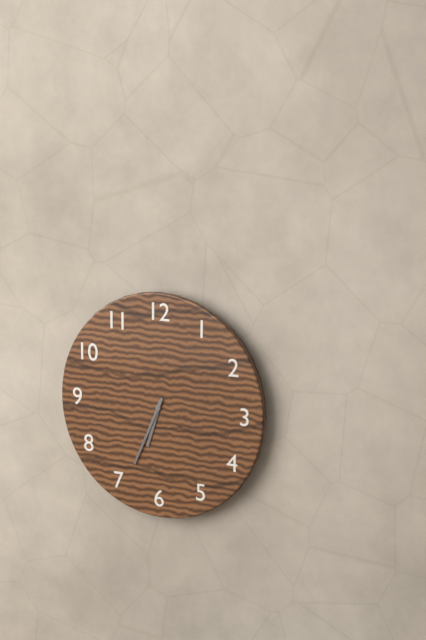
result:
6.34
